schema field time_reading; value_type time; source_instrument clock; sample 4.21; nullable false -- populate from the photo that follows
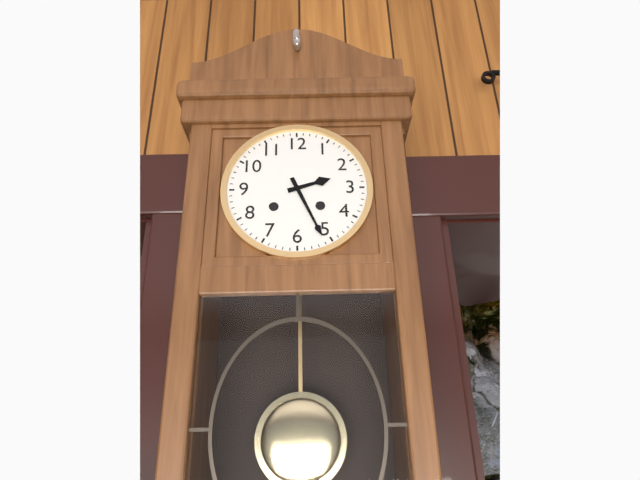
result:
2.26
